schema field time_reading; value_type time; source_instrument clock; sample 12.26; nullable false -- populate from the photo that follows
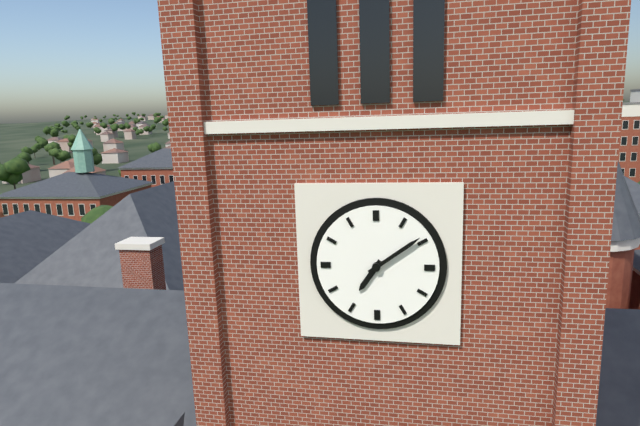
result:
7.09
